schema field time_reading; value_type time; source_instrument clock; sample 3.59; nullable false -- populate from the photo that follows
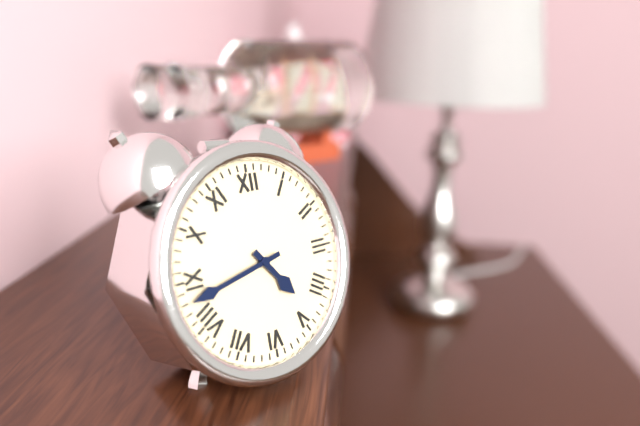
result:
4.43
